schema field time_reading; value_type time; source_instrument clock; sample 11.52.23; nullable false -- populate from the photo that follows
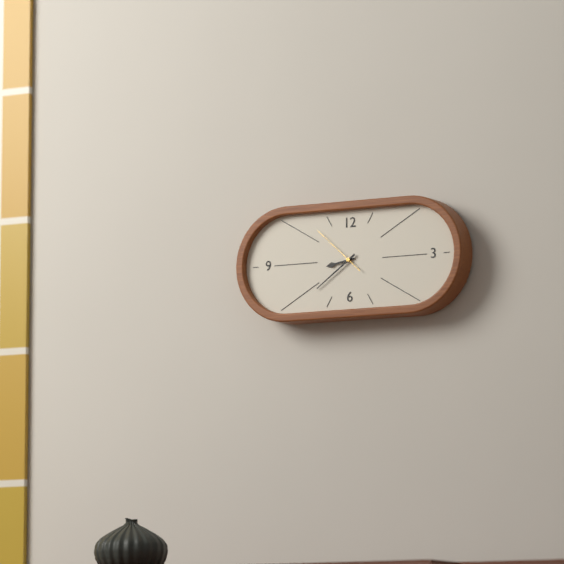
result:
8.39.52
